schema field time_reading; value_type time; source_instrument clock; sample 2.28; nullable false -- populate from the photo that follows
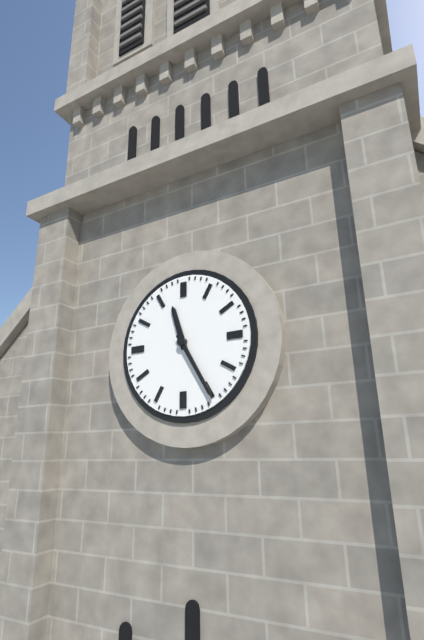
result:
11.25
